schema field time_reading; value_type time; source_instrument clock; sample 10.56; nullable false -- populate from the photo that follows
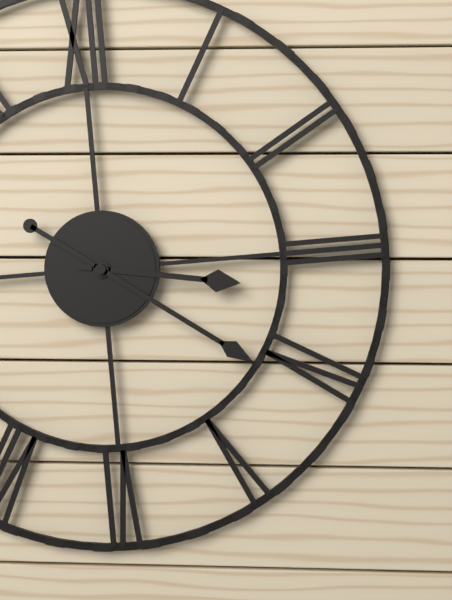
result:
3.21
